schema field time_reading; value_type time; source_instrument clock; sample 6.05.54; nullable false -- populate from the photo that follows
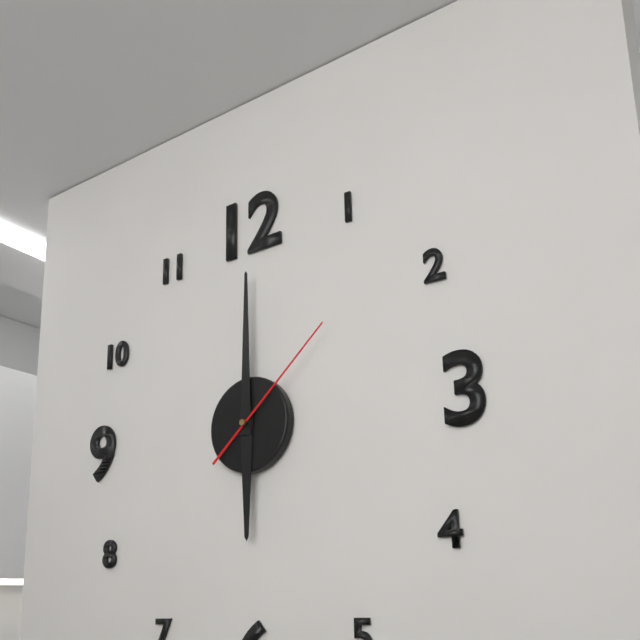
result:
6.00.08
